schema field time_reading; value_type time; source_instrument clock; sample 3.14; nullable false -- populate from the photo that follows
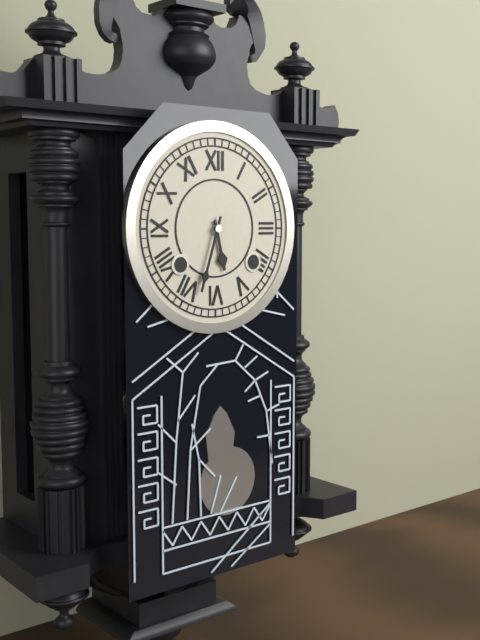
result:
5.33
